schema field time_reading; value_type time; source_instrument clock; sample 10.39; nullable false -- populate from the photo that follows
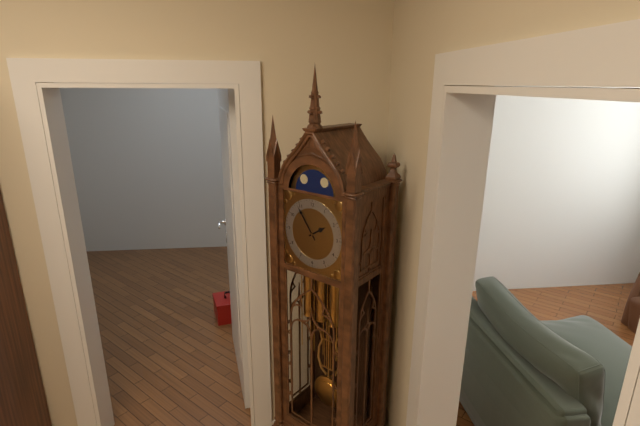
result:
1.54
